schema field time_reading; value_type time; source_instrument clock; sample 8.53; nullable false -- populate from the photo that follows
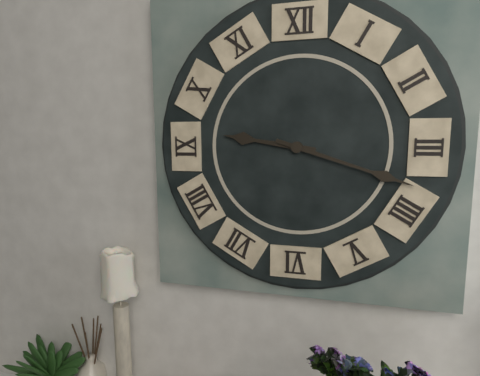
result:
9.18
